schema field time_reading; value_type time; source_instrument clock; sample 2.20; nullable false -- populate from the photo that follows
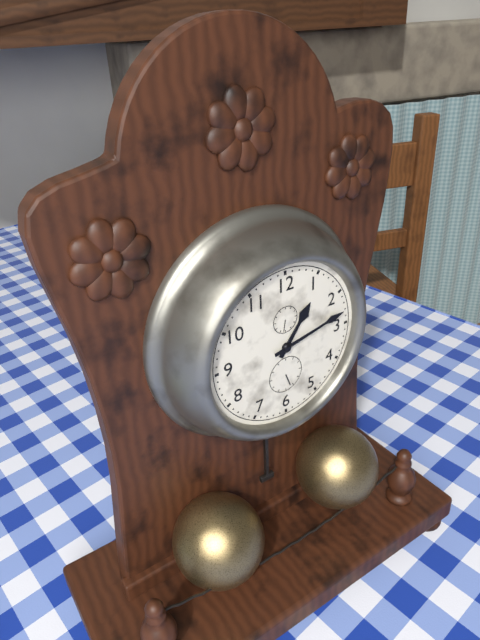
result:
1.13
